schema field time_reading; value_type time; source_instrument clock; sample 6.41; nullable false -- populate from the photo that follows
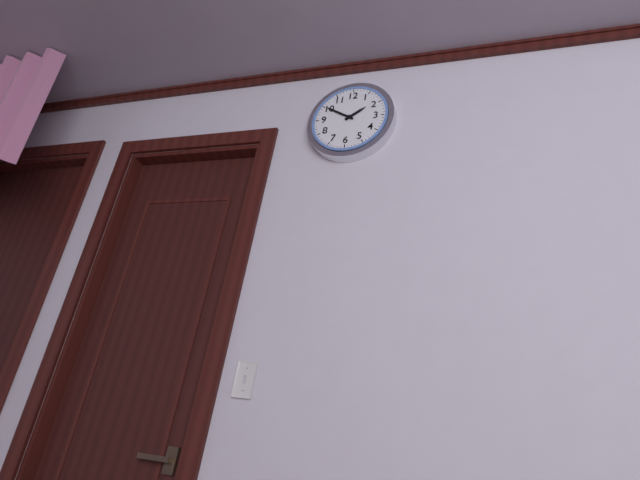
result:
1.50
